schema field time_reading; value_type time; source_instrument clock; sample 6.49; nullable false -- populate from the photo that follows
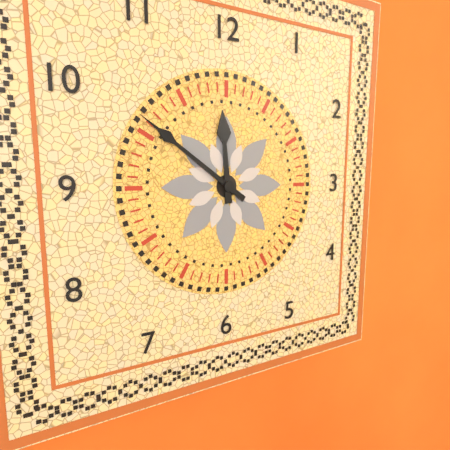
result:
11.51
